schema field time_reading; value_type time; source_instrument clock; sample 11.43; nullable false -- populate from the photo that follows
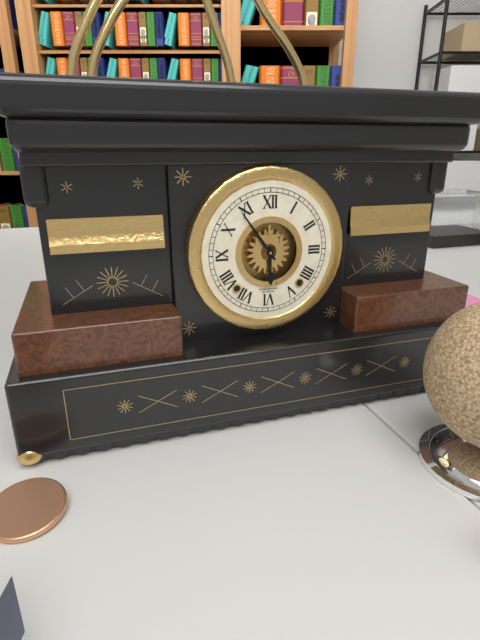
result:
5.54
